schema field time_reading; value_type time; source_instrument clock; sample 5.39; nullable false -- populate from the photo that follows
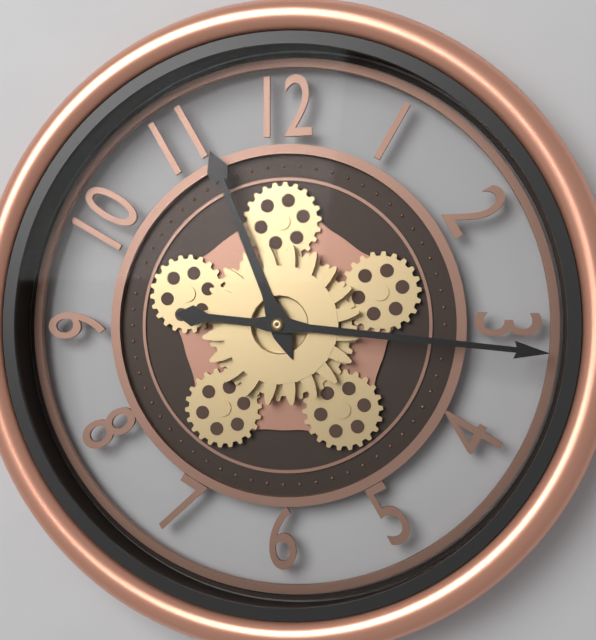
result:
11.16
